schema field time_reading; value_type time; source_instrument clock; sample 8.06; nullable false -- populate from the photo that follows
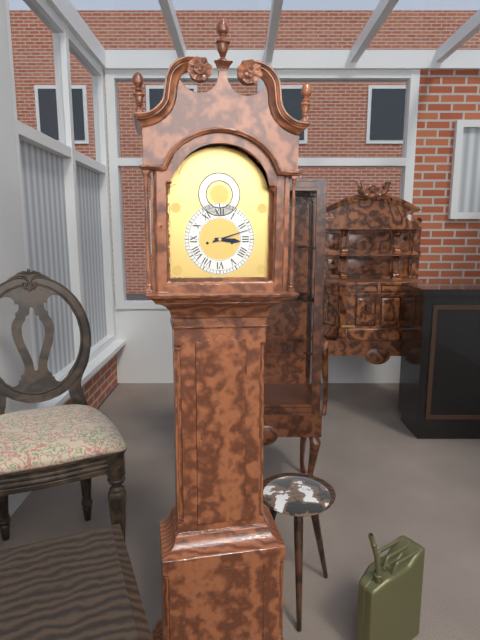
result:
3.12
